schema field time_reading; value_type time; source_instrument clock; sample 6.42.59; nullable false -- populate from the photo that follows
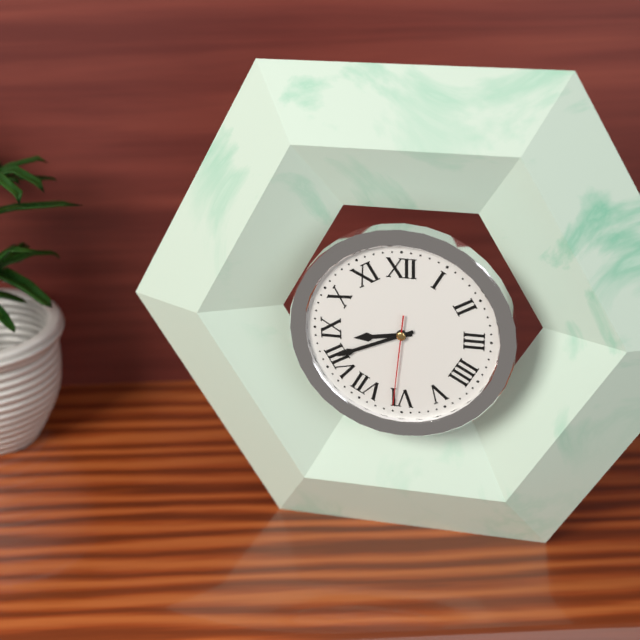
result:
8.41.31
